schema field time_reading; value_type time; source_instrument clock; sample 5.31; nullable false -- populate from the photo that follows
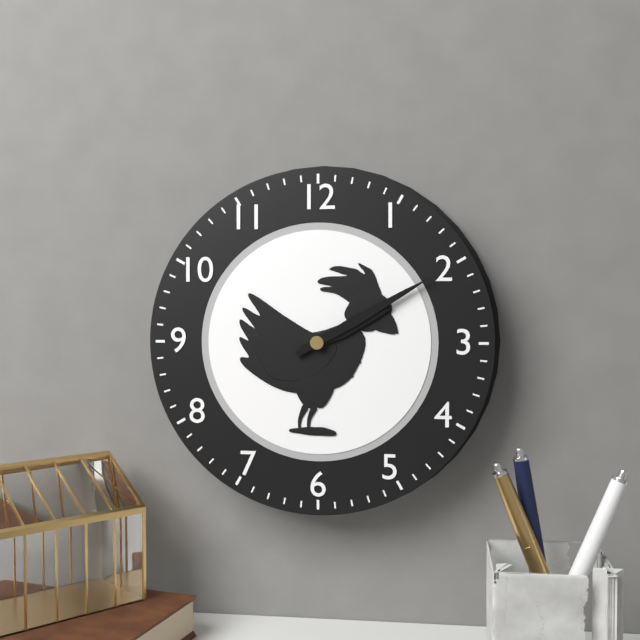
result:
2.10
